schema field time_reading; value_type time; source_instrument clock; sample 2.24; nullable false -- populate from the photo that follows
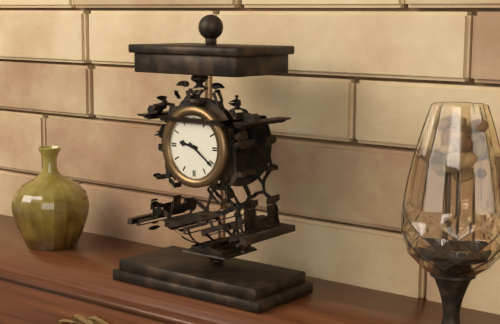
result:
9.21
